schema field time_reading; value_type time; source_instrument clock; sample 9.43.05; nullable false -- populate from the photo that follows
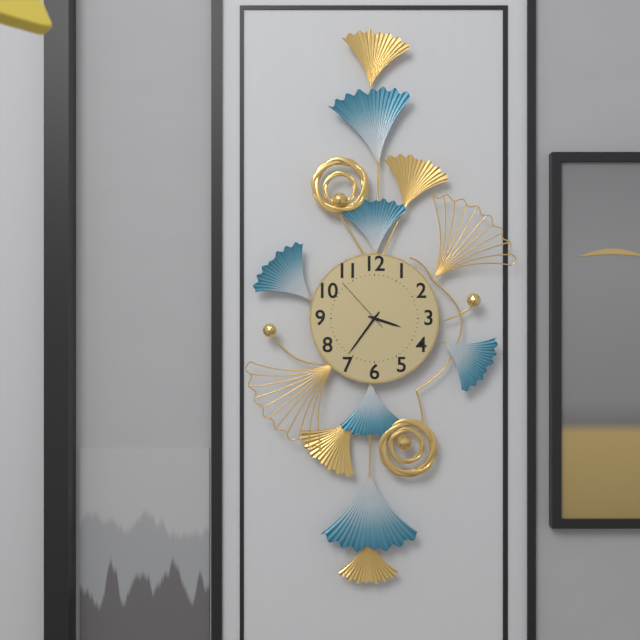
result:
3.36.53
